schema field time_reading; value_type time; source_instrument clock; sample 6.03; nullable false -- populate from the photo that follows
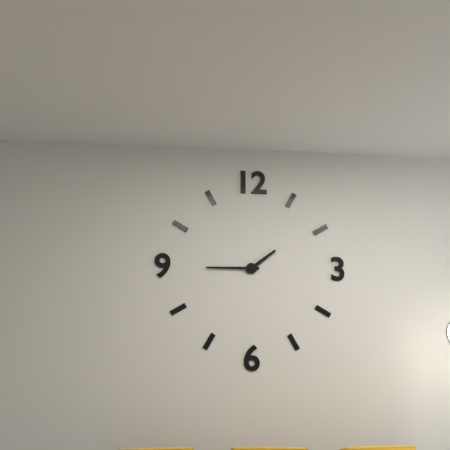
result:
1.45
